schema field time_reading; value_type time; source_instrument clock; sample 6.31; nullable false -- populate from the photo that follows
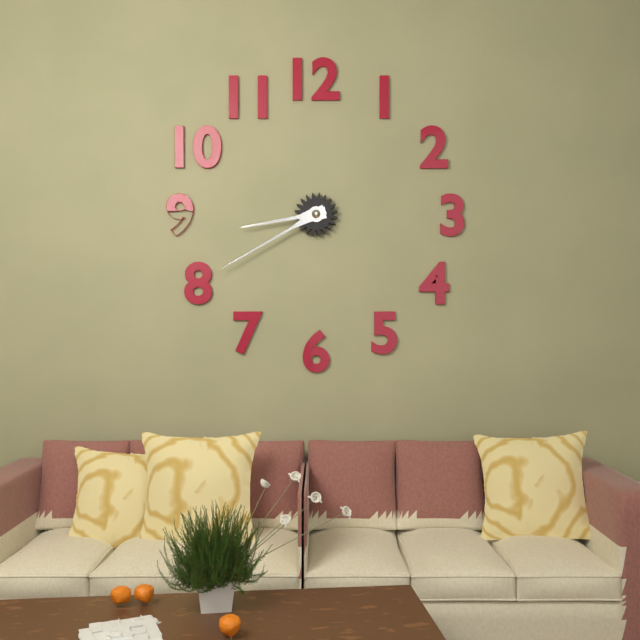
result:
8.40
